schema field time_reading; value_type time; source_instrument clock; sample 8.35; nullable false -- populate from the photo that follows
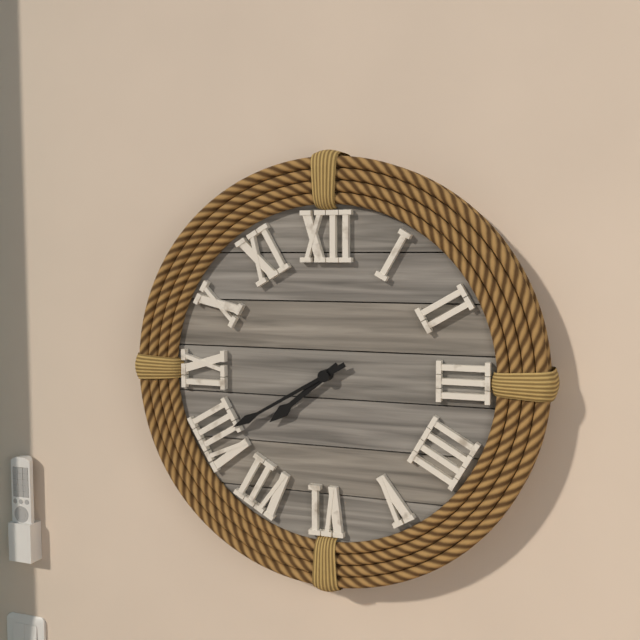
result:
7.40
